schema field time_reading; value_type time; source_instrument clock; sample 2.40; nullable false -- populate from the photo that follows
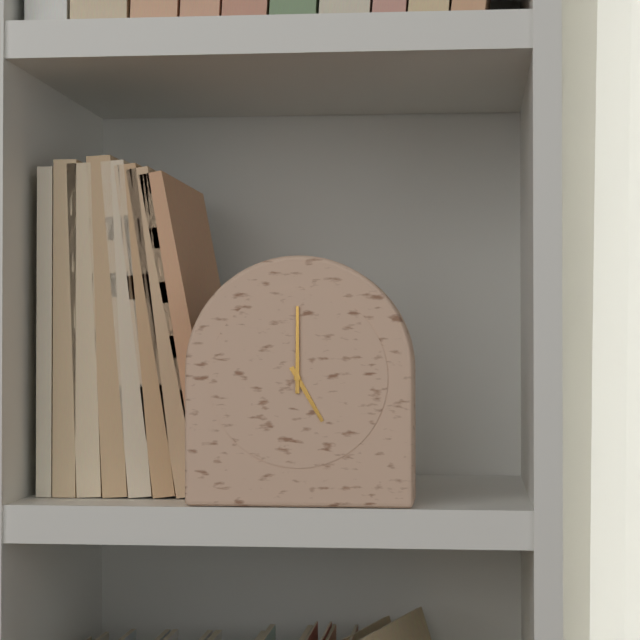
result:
5.00
